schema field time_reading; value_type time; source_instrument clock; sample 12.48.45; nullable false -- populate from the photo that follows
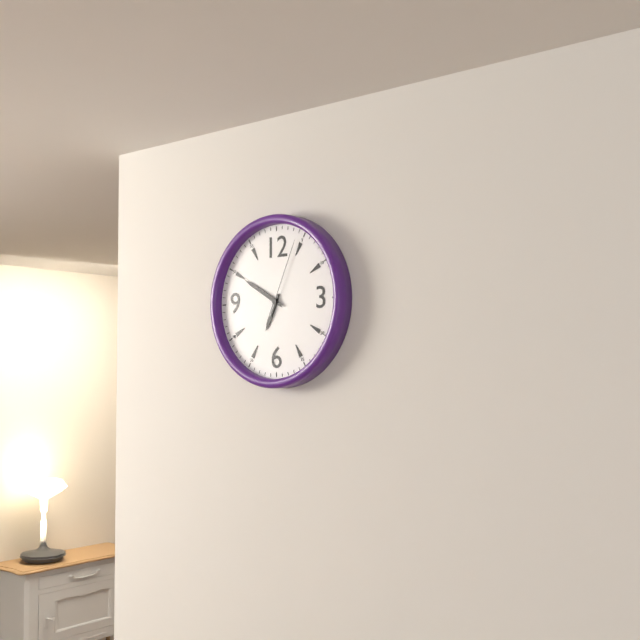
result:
6.50.04
